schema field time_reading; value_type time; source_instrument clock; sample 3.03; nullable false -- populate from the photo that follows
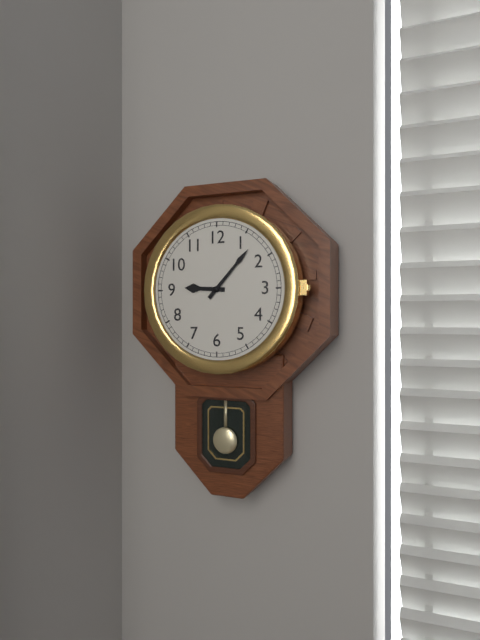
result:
9.07
